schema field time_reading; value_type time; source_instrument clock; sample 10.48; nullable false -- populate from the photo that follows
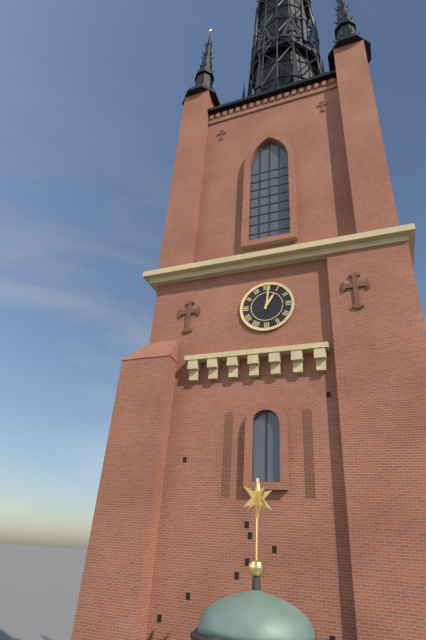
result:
1.01
